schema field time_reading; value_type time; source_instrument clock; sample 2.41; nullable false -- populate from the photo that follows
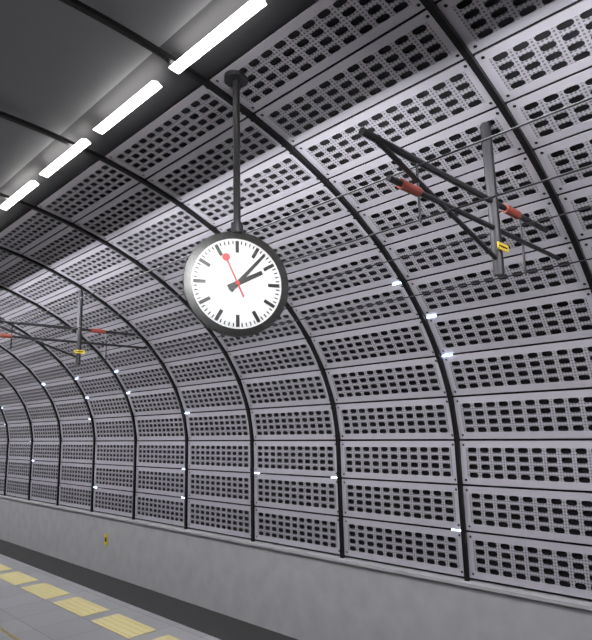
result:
2.07
